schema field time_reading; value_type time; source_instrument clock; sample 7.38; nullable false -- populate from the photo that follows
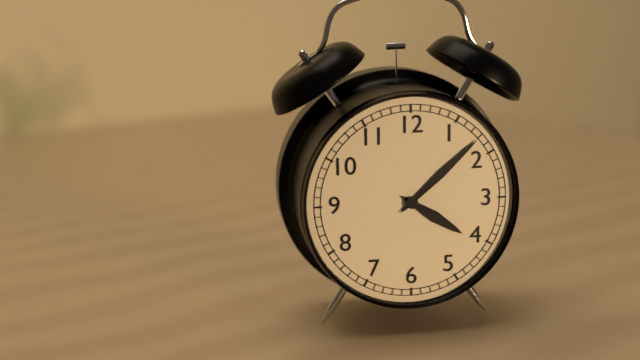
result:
4.08
